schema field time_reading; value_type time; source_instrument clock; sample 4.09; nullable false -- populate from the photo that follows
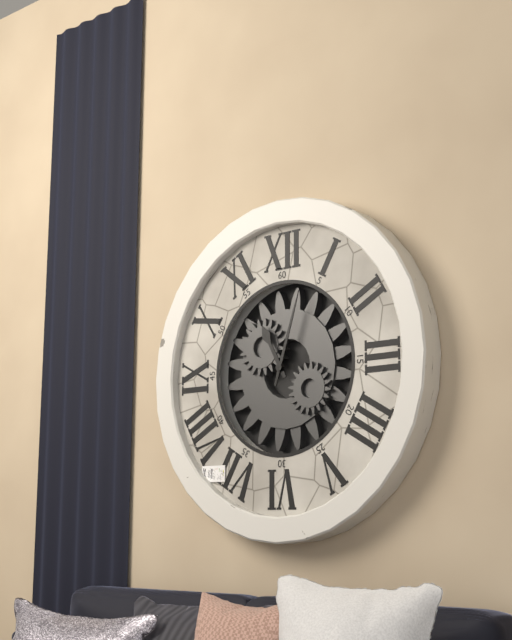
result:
11.03
